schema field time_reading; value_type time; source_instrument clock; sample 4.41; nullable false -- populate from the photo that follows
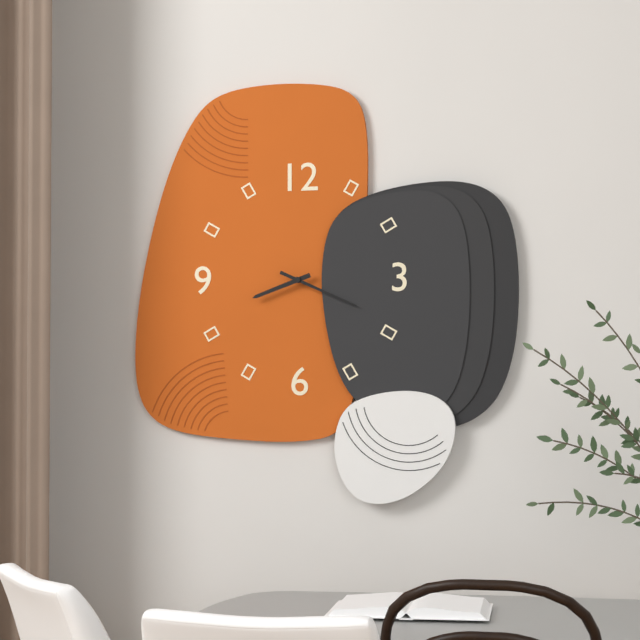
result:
8.19
